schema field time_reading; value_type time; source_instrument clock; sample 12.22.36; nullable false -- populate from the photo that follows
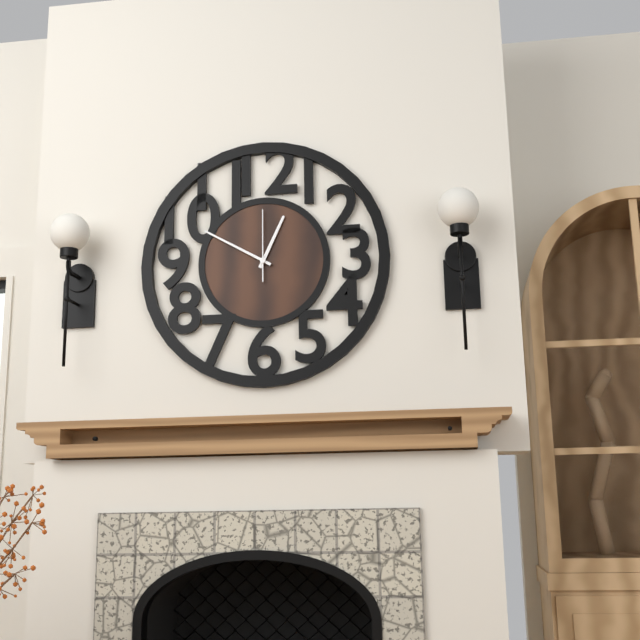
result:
12.50.00
